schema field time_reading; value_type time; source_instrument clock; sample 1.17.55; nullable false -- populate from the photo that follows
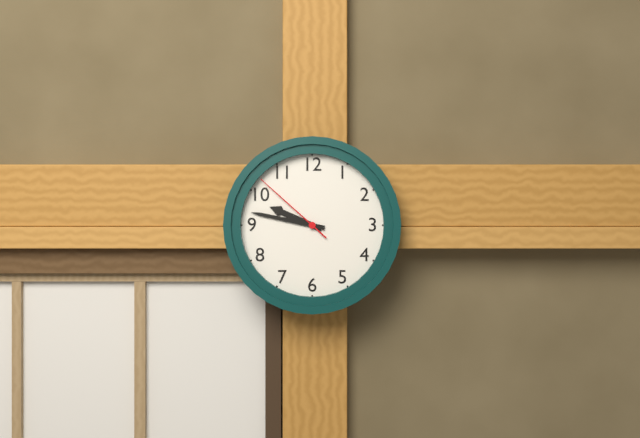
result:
9.47.52
